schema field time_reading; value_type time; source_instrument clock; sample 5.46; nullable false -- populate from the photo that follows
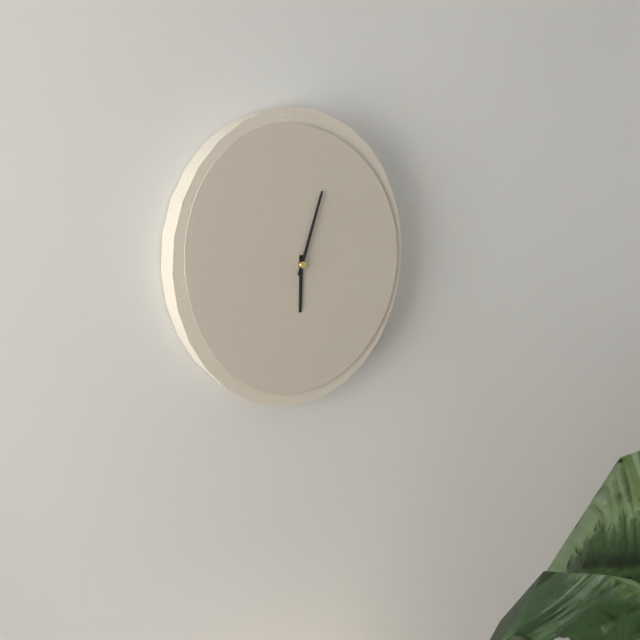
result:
6.03
